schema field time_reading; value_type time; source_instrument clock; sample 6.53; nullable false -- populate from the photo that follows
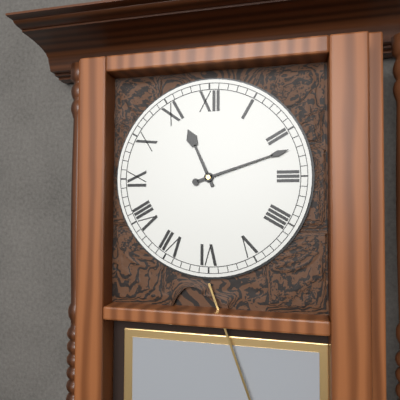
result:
11.12
